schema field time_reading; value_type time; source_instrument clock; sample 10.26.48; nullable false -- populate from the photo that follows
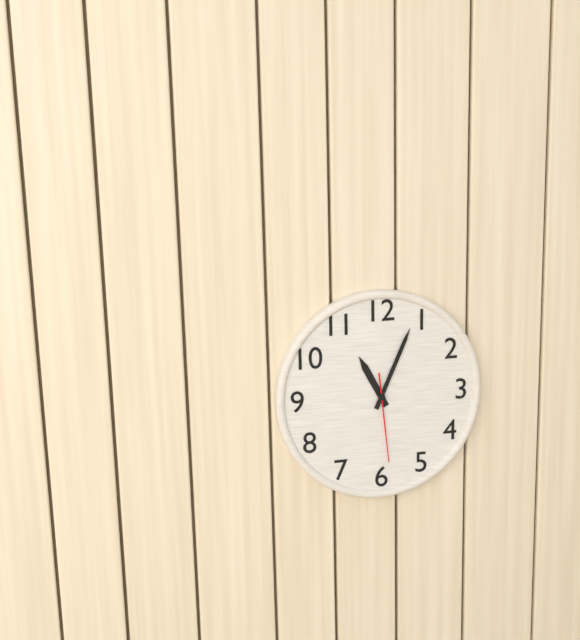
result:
11.04.29
